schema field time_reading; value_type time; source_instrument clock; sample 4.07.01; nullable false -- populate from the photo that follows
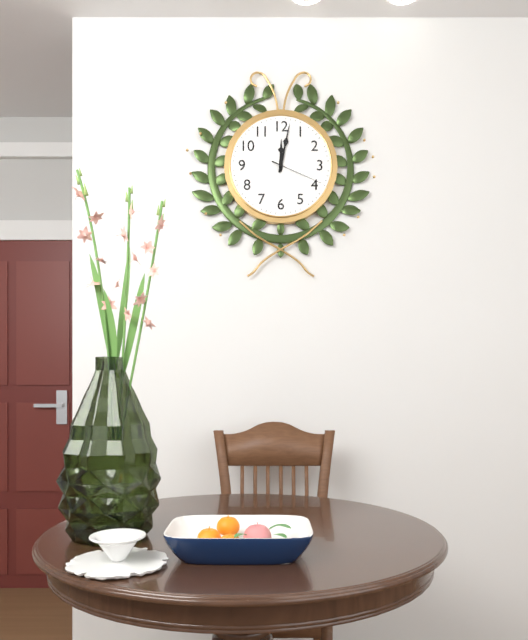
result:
12.02.19
